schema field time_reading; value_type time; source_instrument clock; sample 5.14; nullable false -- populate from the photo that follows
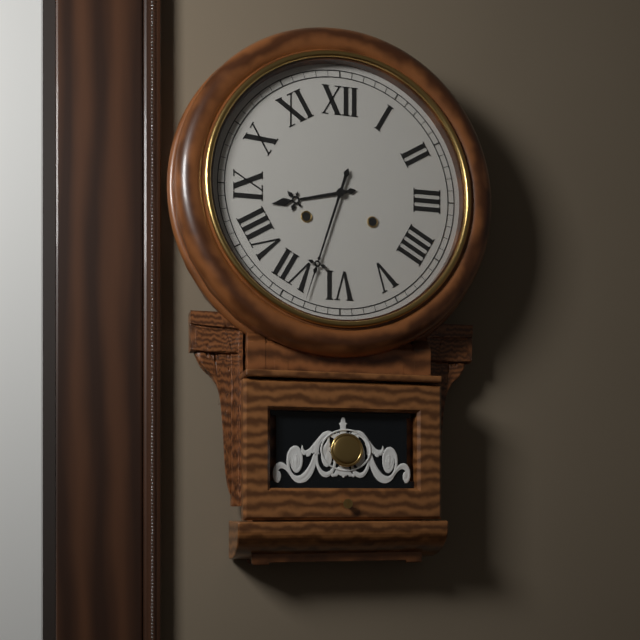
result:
8.33
